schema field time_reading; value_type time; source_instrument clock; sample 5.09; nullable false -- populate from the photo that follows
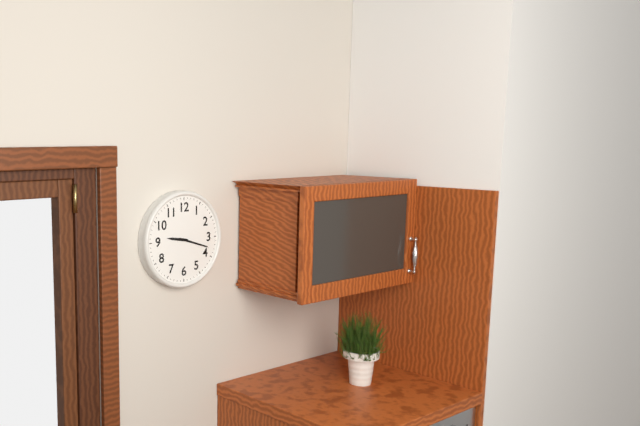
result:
9.18
